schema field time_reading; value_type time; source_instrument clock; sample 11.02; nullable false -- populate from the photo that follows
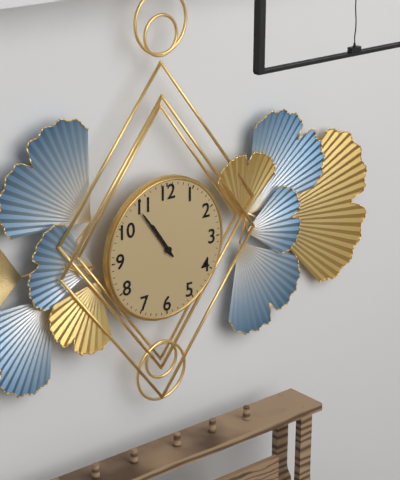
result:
10.54
